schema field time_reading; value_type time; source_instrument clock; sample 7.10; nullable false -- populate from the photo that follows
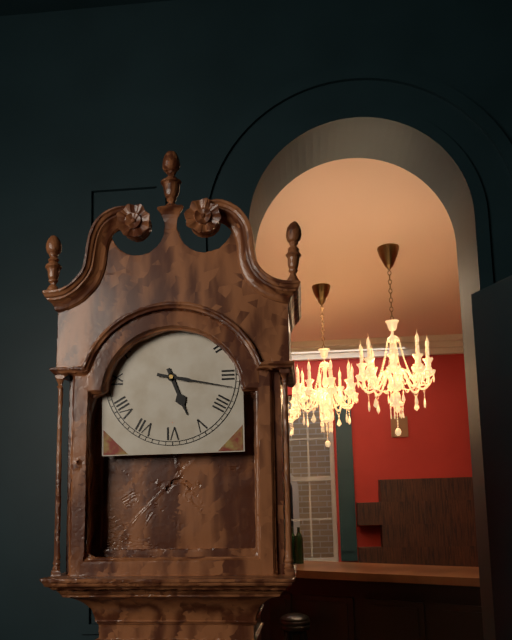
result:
5.17
